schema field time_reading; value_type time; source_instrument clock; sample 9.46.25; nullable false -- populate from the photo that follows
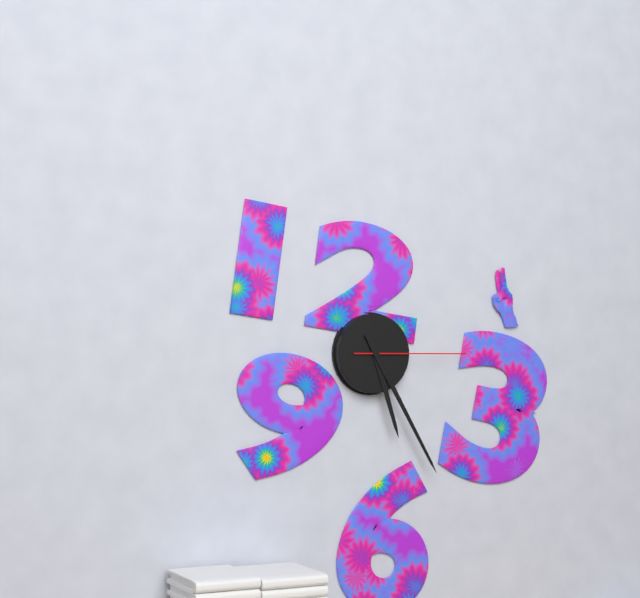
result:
5.25.15
